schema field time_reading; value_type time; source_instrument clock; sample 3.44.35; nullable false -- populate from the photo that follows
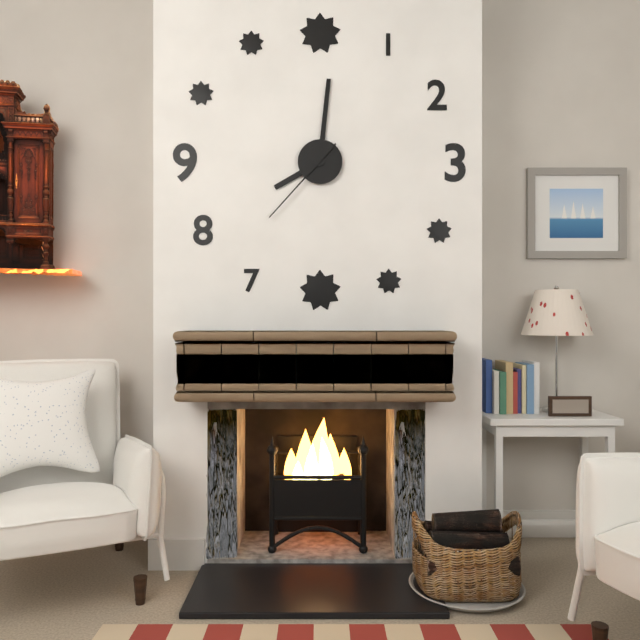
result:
8.01.37
